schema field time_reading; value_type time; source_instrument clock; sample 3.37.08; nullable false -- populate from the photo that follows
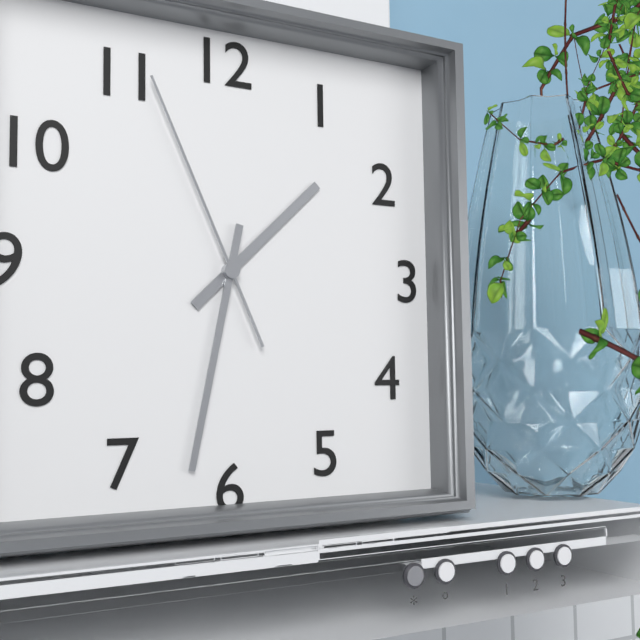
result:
1.32.56
